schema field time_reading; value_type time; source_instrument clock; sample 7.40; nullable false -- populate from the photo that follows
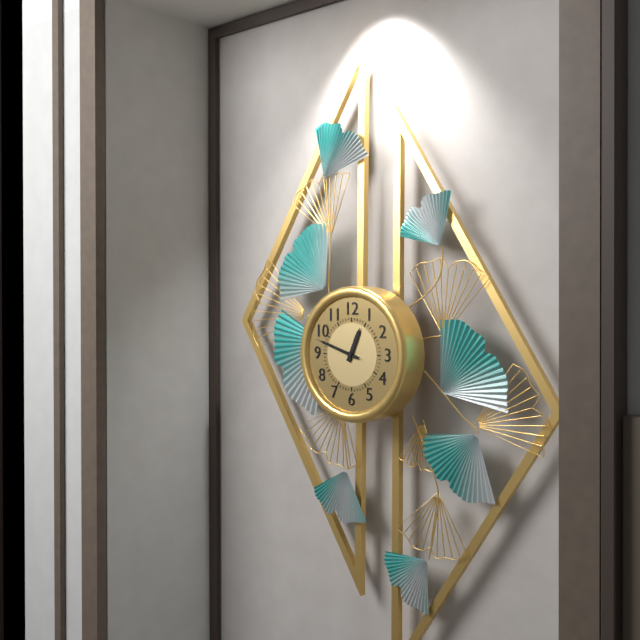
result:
12.48
